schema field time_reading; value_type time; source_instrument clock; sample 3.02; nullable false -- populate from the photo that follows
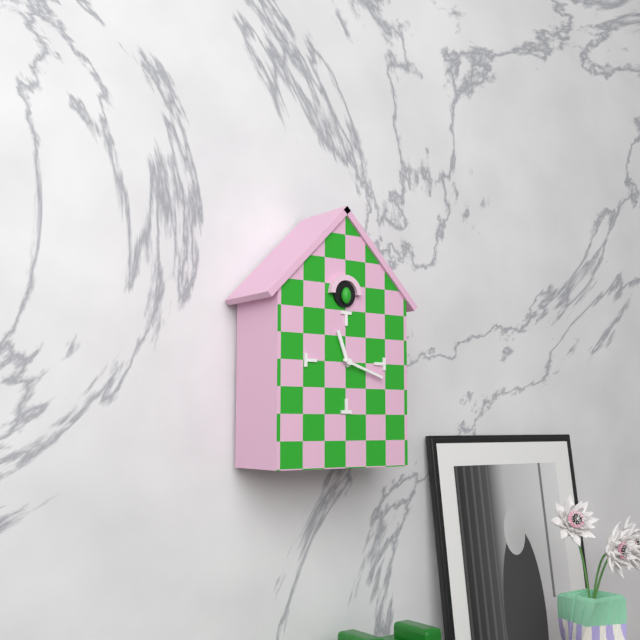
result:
11.18
